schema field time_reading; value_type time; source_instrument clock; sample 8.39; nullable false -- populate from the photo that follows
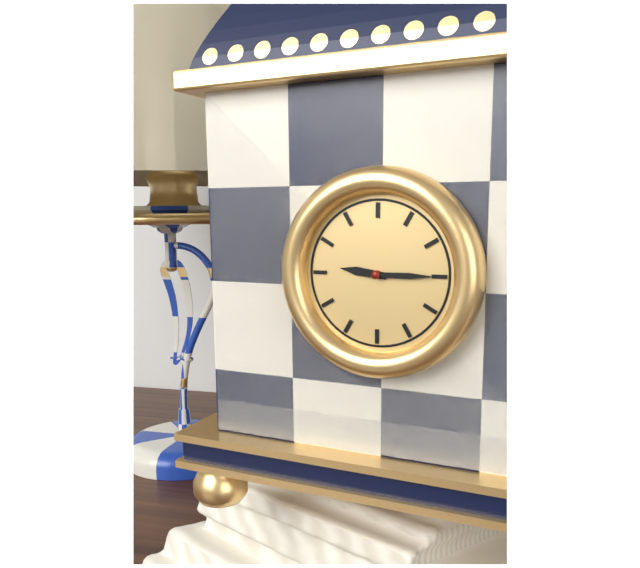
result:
9.15
